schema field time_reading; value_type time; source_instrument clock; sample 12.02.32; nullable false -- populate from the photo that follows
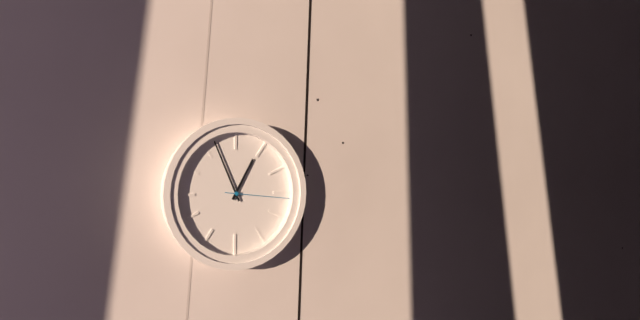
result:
12.56.16
